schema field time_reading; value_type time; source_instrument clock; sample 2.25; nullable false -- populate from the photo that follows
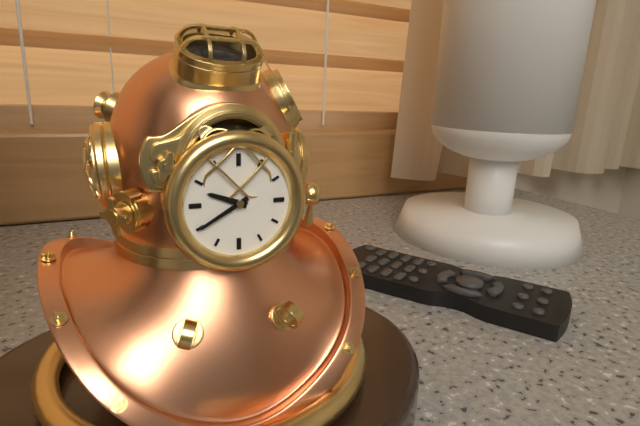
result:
9.40
